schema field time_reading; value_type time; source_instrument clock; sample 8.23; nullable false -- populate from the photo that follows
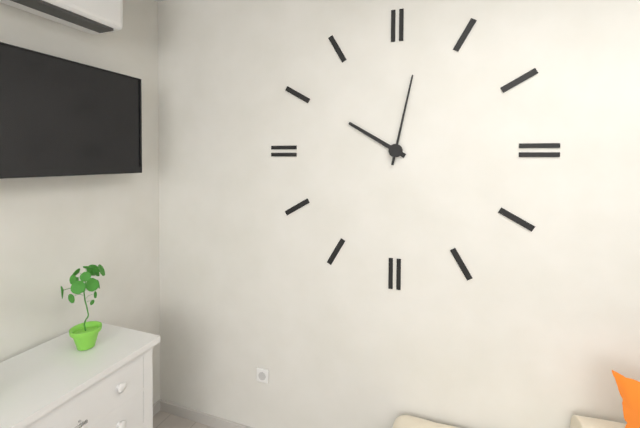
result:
10.02
